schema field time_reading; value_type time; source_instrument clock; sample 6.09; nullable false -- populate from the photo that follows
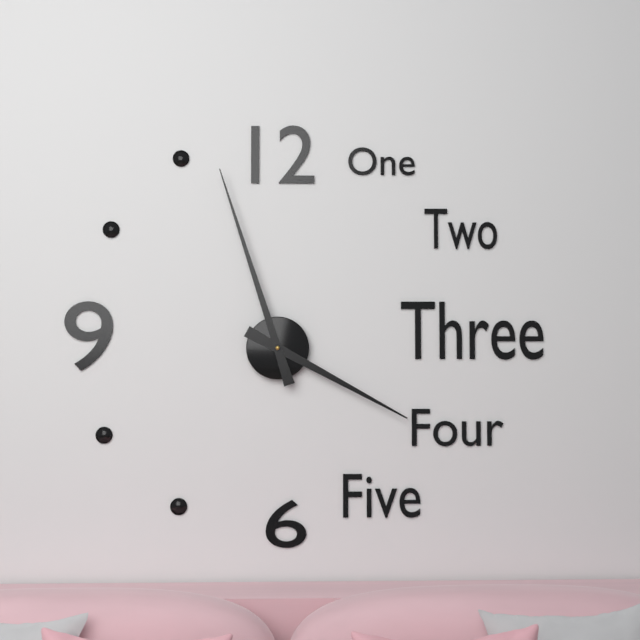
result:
3.57
